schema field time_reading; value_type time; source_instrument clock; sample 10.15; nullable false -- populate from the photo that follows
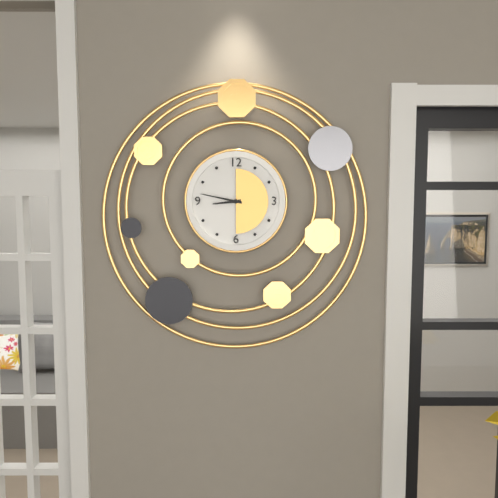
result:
8.47
